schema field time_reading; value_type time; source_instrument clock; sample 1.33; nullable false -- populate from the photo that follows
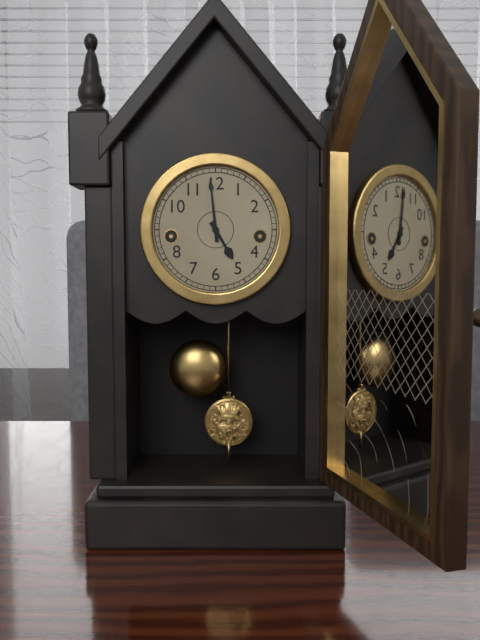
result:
4.59
